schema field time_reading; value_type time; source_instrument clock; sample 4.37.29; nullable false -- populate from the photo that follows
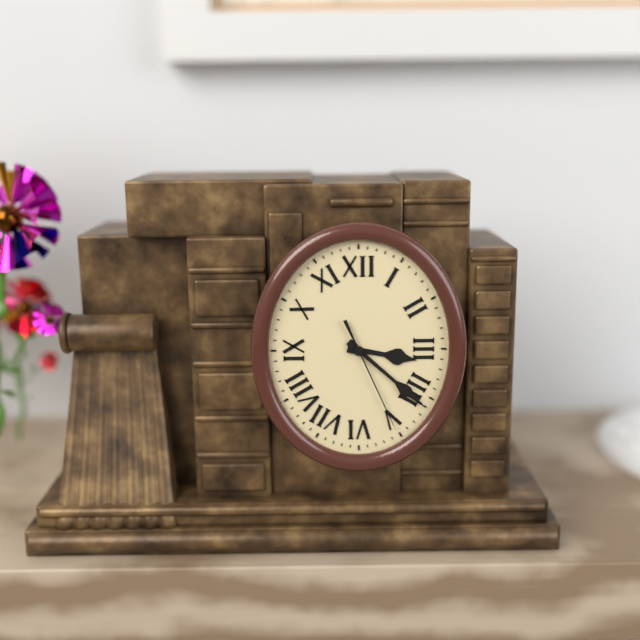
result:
3.22.26
